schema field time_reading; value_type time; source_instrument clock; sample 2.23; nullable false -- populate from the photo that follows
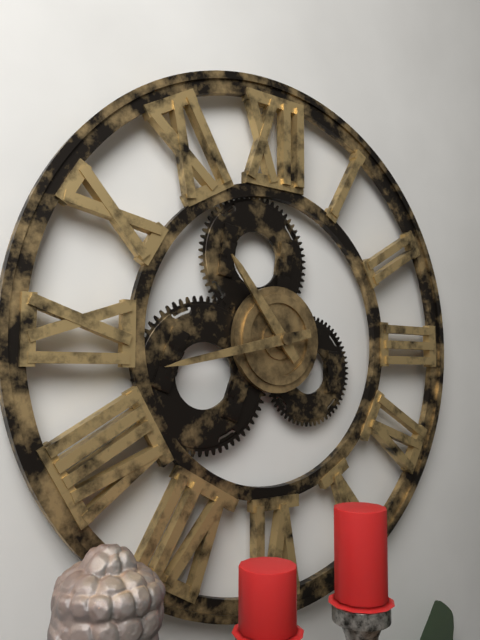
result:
10.43
